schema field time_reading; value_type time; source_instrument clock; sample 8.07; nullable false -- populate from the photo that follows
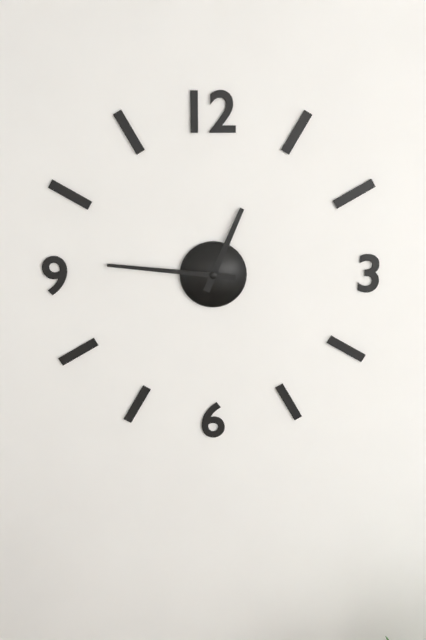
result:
12.46
